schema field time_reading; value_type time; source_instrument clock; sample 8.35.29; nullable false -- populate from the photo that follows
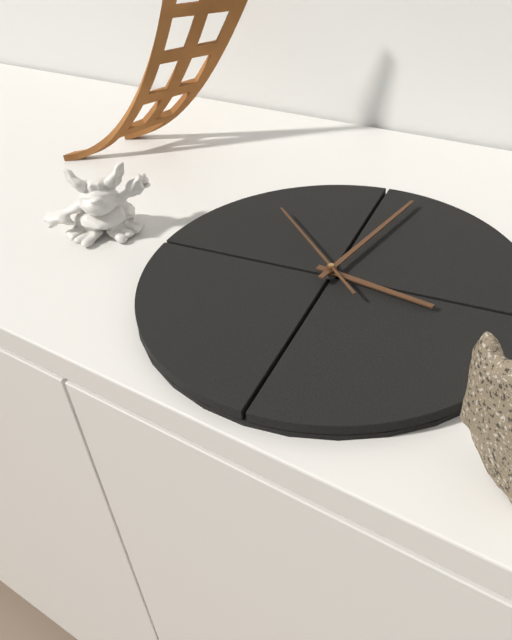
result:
4.06.56
